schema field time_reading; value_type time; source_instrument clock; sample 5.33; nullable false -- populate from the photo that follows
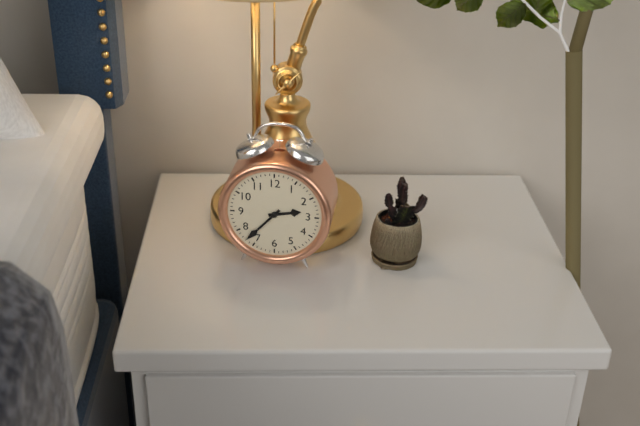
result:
2.37
